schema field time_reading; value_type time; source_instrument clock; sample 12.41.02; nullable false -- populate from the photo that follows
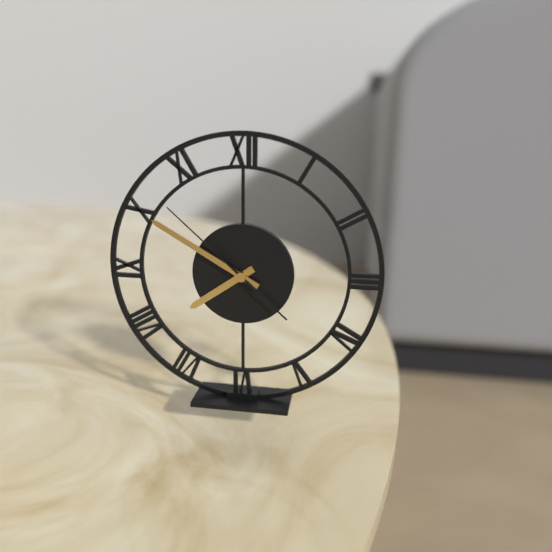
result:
7.50.52
